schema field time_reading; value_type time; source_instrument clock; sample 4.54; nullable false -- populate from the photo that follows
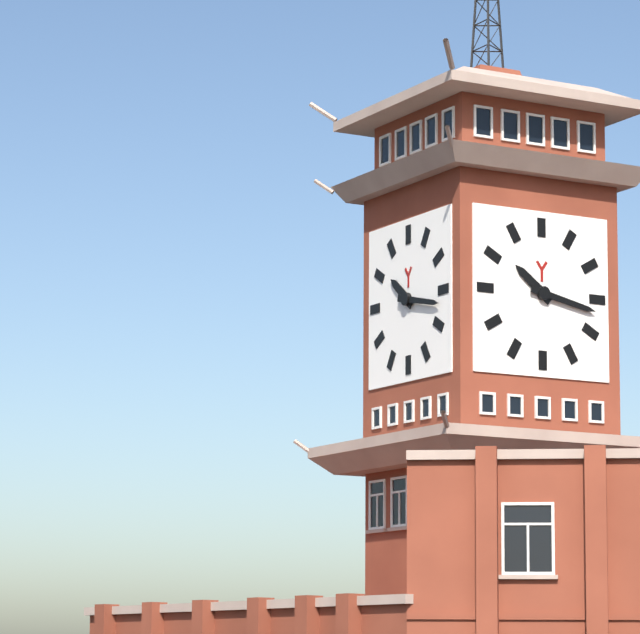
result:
10.17
